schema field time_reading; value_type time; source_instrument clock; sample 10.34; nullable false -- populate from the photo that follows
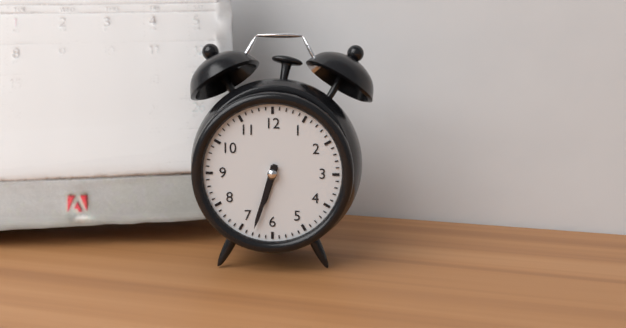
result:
6.33
